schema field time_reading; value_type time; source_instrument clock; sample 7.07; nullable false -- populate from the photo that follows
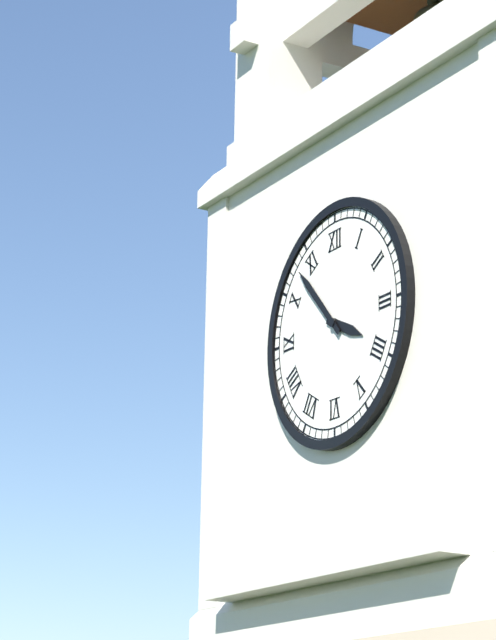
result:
3.53
